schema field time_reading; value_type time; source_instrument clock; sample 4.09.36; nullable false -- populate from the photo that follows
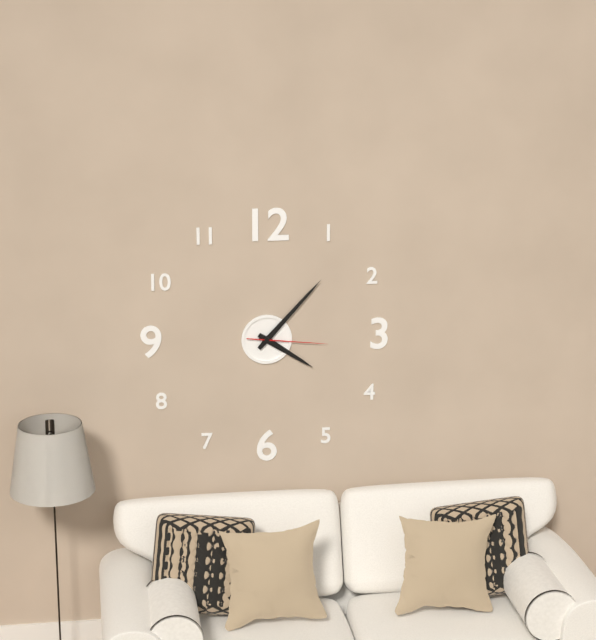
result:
4.07.16
